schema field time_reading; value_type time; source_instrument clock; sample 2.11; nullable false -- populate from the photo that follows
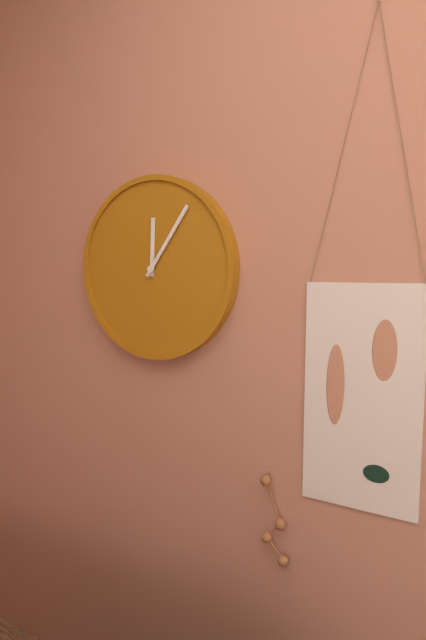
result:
12.06
